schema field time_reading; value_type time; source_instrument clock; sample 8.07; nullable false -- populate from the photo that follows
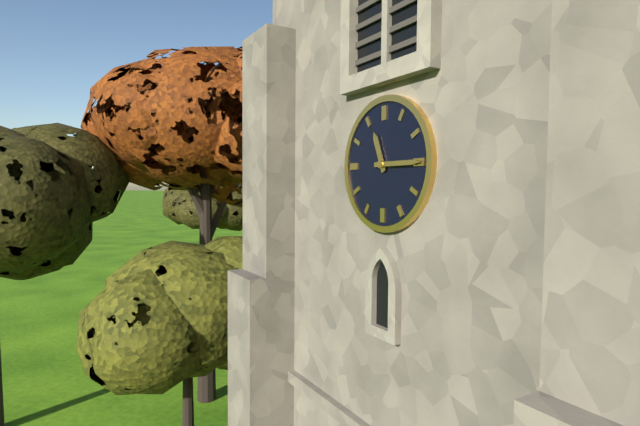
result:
11.15
